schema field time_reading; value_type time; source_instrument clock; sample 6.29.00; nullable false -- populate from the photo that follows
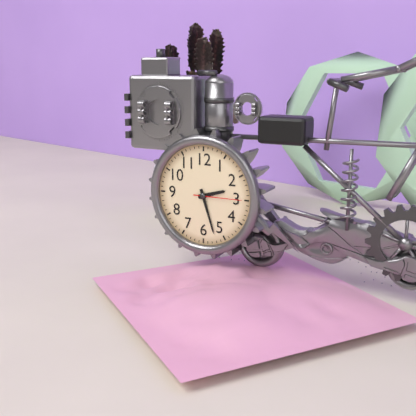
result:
2.27.15
